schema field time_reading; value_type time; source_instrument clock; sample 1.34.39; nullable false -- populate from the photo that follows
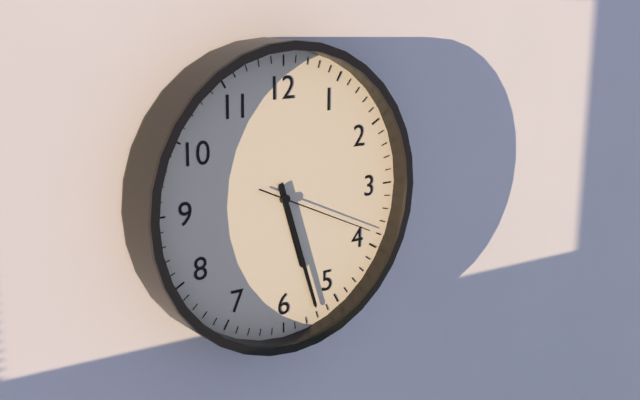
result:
5.27.19
